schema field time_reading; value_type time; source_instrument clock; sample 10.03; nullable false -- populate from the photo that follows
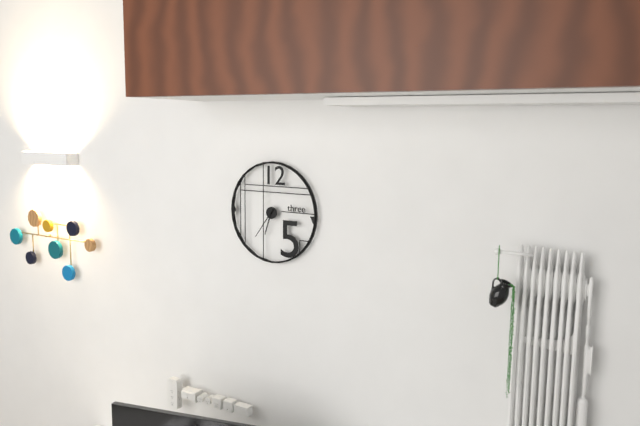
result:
6.36
